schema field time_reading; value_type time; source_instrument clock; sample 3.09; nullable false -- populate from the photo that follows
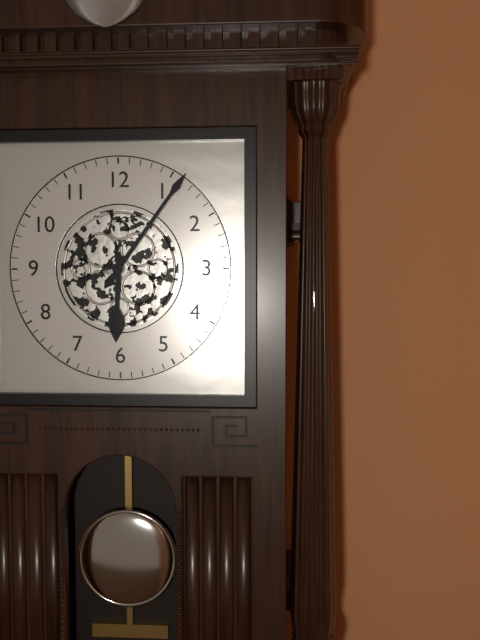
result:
6.06
